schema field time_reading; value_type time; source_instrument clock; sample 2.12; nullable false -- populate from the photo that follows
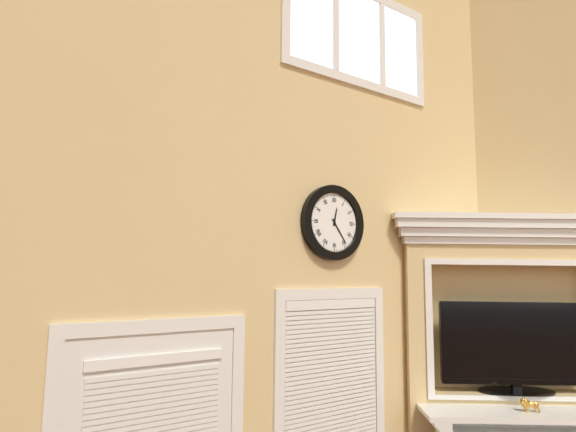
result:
12.24
